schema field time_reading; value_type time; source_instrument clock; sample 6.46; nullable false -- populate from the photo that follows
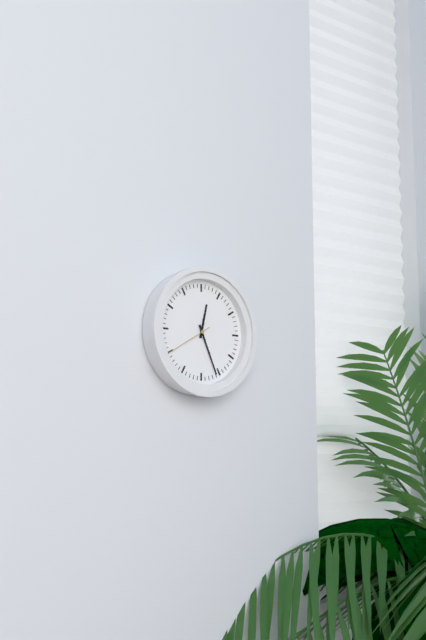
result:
12.26
